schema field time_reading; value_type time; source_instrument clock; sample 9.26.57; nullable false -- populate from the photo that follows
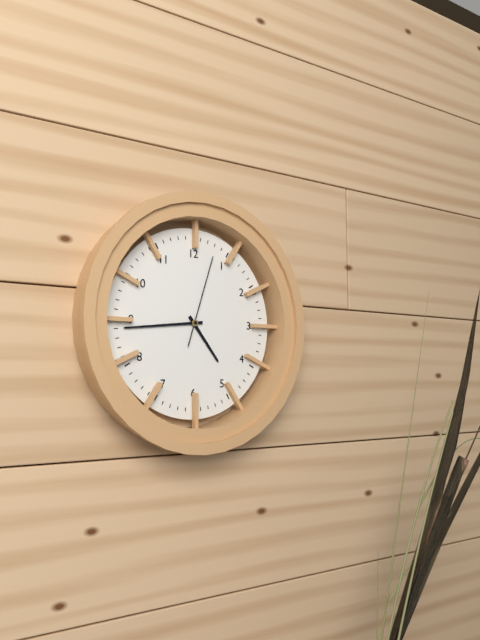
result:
4.44.03
